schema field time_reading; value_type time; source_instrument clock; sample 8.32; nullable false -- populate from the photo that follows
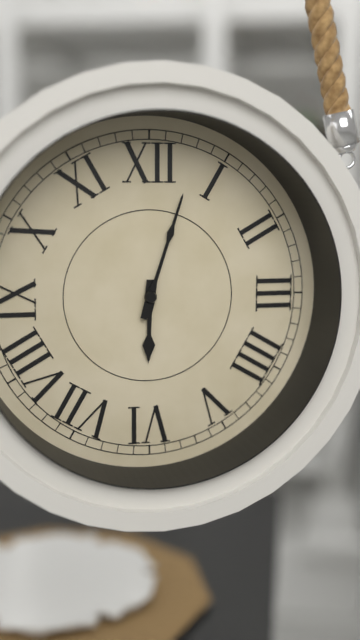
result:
6.03
